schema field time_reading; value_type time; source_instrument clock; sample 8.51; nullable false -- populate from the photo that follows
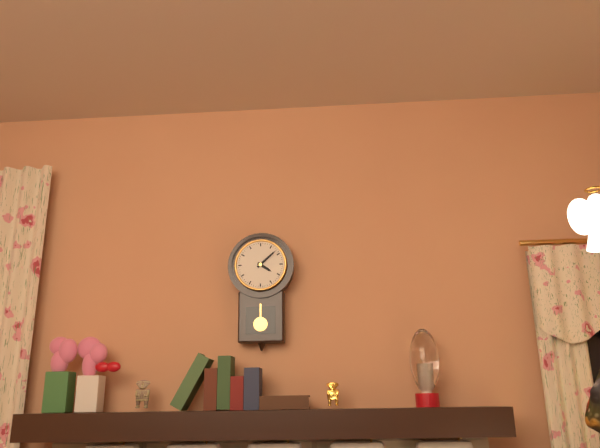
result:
4.08
